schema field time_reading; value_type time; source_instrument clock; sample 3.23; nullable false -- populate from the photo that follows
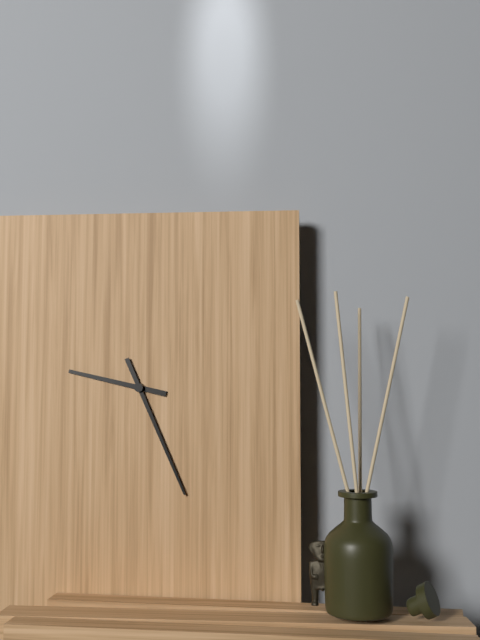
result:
9.26
